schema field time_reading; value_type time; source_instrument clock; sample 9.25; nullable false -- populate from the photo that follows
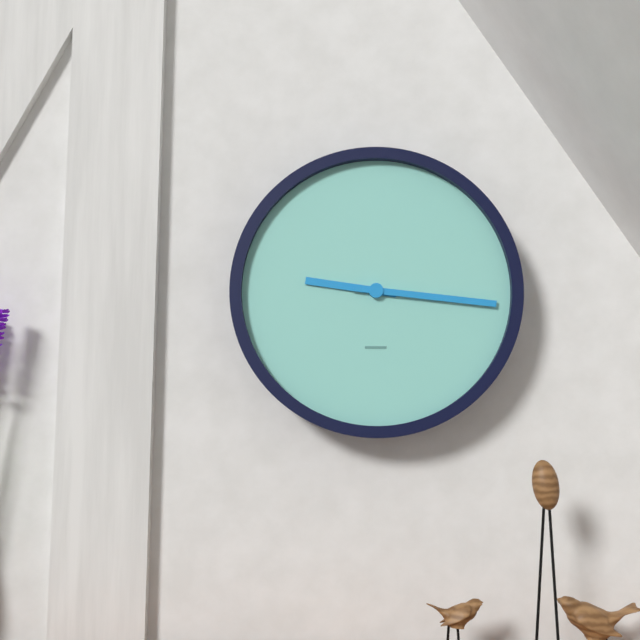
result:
9.16
